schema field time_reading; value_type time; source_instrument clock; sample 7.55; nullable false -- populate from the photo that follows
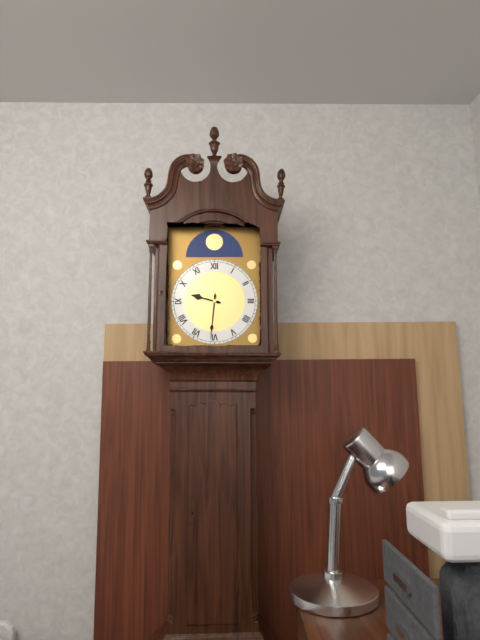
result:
9.31
